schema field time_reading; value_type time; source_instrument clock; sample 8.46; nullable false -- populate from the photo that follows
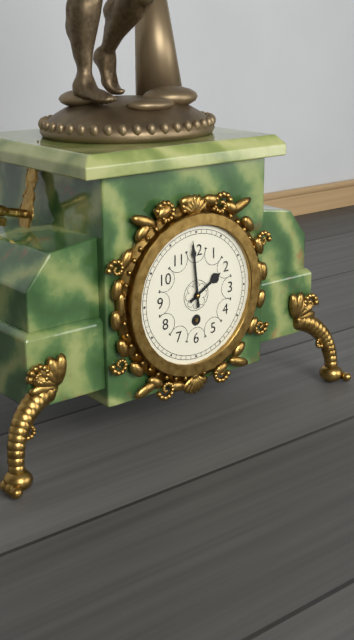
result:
1.59
